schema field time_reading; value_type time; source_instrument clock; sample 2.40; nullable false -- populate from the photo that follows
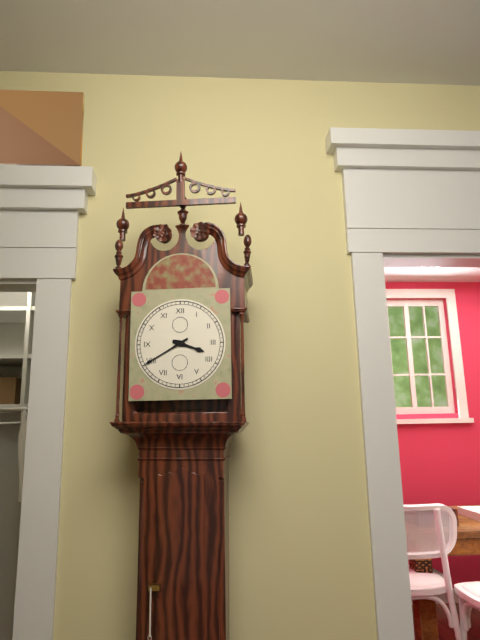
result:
3.40
